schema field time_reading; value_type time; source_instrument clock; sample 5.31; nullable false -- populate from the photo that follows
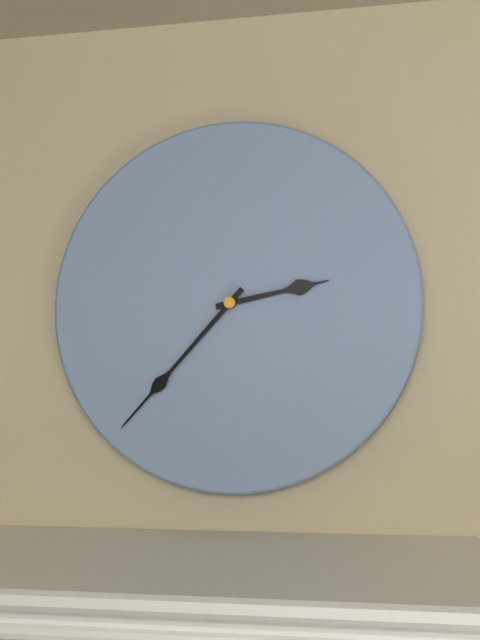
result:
2.37
